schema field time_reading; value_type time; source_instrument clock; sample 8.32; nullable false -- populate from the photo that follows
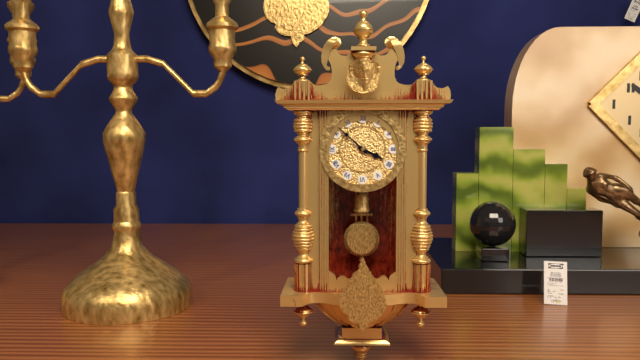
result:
3.52
